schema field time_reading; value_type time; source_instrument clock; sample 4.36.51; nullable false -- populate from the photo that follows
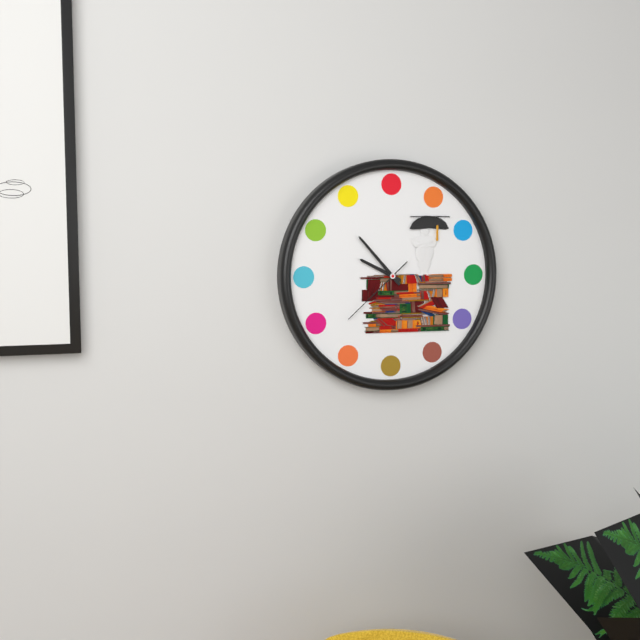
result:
9.53.38
